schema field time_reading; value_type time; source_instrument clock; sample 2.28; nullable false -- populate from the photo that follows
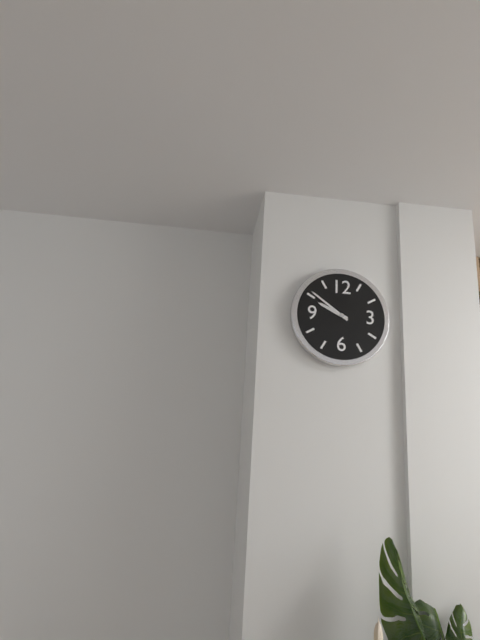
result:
9.51
